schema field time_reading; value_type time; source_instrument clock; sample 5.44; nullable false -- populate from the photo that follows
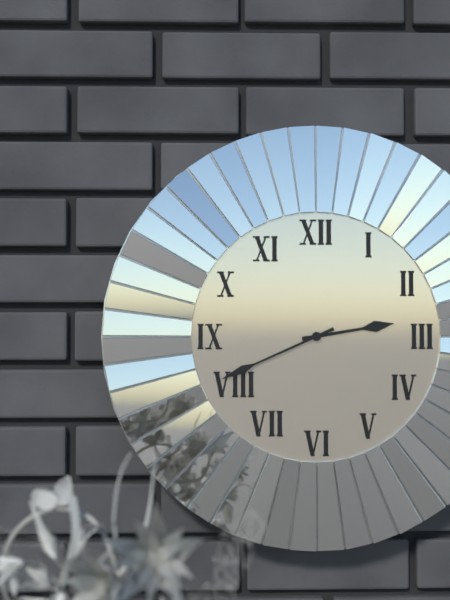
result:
2.41
